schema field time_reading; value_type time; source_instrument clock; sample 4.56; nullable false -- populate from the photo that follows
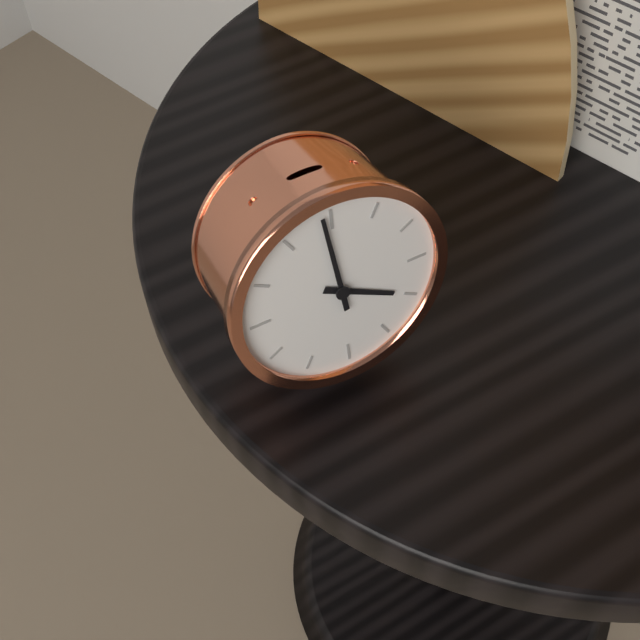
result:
3.59
